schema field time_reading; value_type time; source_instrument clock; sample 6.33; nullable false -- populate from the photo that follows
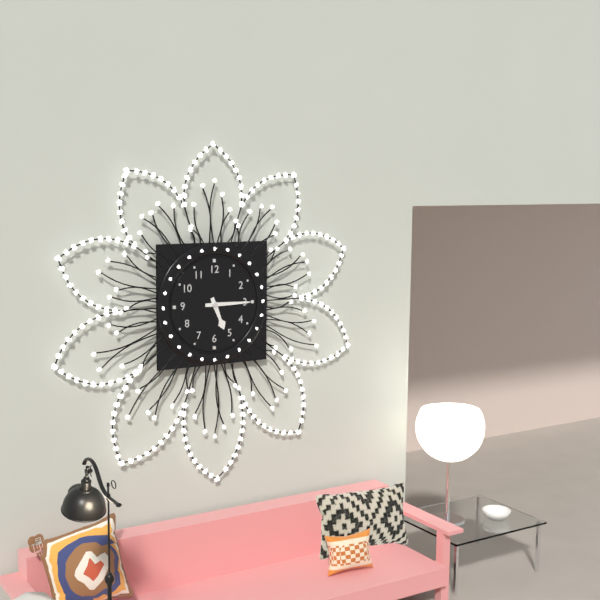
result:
5.15
